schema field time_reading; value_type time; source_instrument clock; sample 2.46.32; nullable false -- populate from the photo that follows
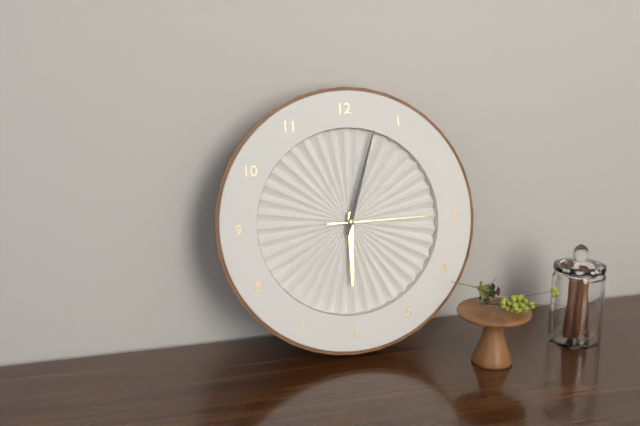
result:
6.03.15
